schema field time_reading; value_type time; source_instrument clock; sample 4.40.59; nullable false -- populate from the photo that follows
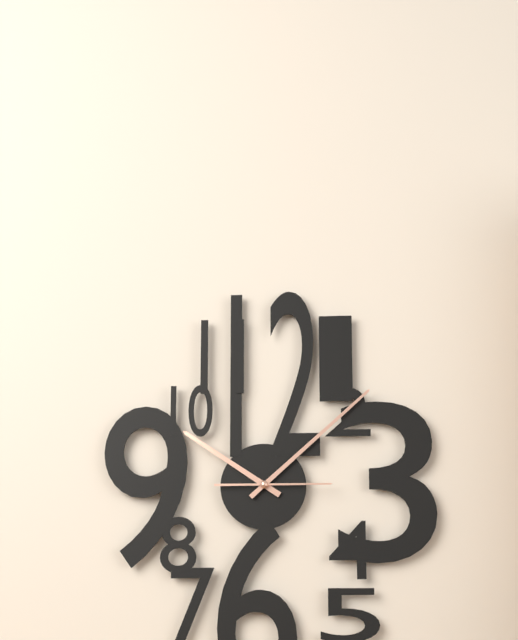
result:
10.08.15
